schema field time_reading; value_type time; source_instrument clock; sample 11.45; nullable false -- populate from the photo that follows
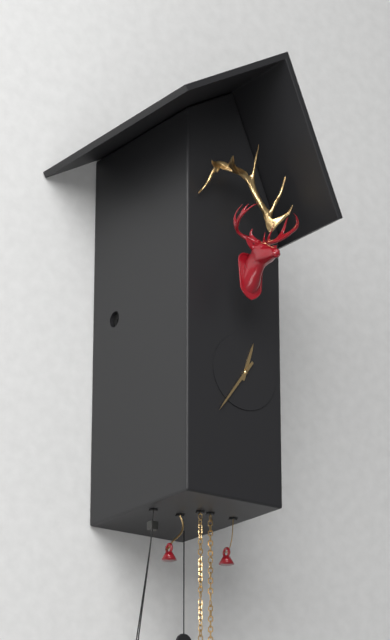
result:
12.36
